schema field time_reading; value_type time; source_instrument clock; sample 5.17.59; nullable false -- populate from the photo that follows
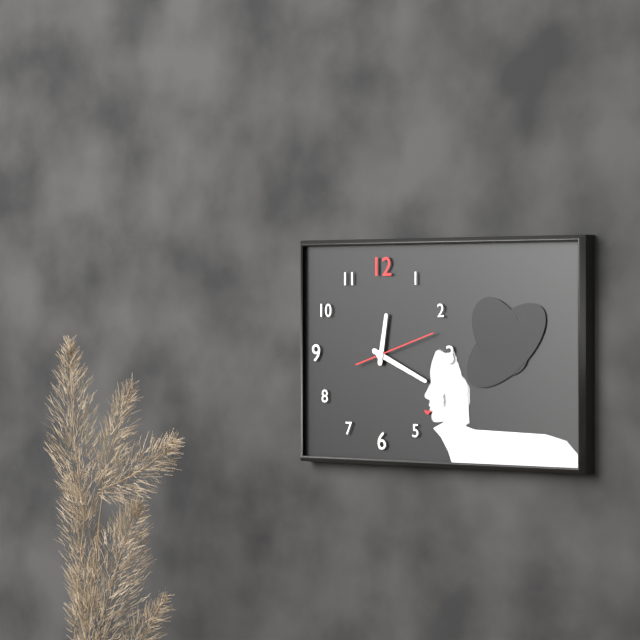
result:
12.19.12
